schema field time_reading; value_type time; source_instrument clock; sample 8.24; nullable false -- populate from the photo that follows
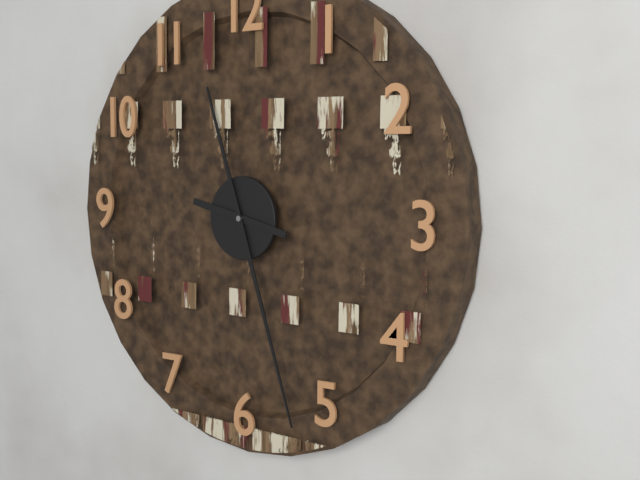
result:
9.27
